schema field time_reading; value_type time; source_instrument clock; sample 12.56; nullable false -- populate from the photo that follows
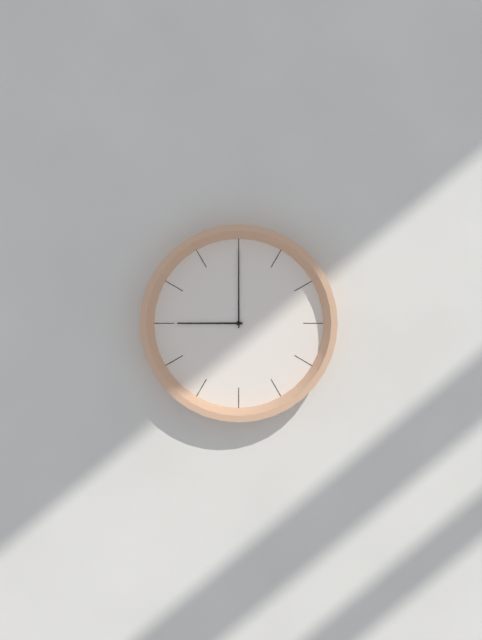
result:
9.00
